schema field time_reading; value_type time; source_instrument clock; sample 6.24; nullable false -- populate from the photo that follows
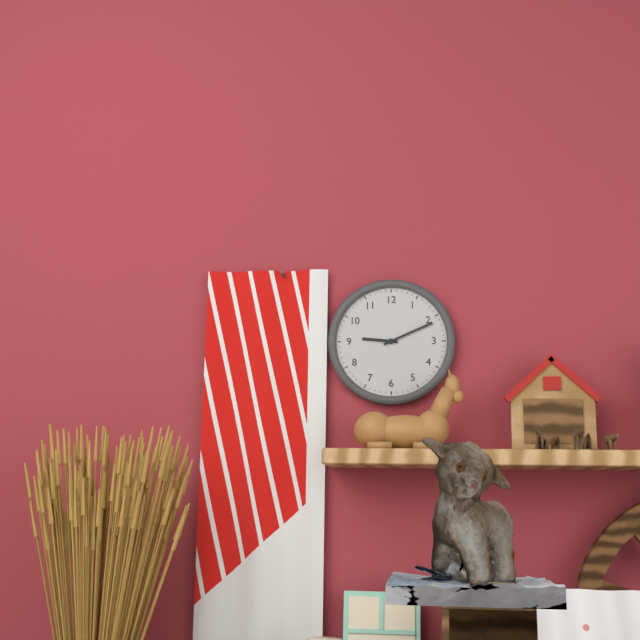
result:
9.11
